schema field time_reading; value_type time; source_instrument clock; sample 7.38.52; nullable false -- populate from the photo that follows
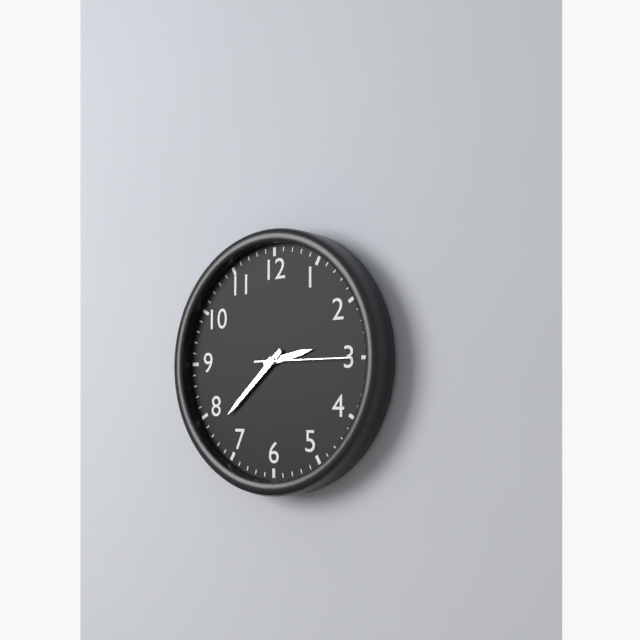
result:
2.38.15
